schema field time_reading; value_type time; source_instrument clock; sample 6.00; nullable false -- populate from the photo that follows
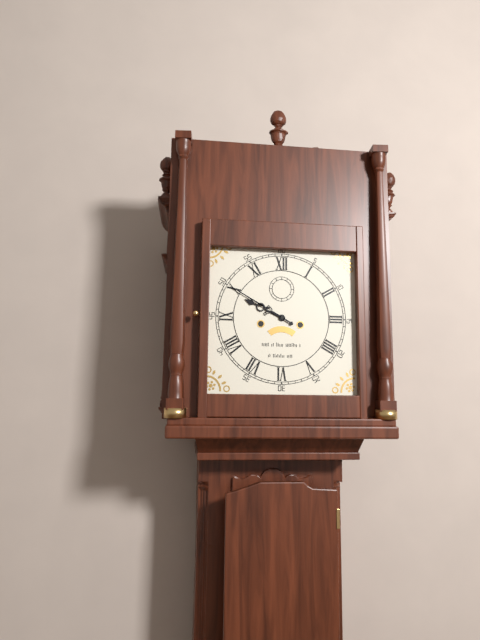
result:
9.50
